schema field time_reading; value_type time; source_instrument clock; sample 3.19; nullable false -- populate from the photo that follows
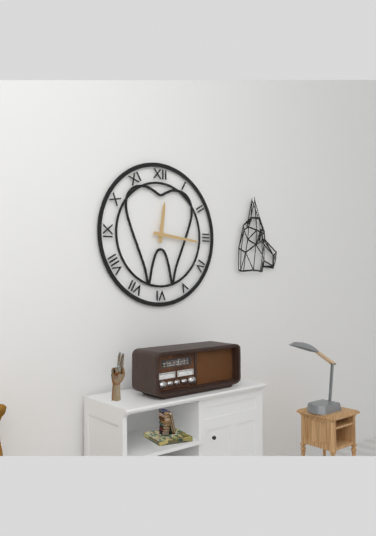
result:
12.16
